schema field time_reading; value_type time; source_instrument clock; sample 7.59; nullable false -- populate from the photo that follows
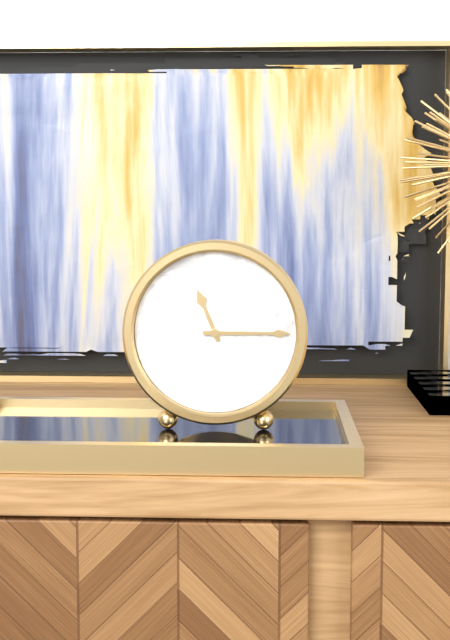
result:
11.15
